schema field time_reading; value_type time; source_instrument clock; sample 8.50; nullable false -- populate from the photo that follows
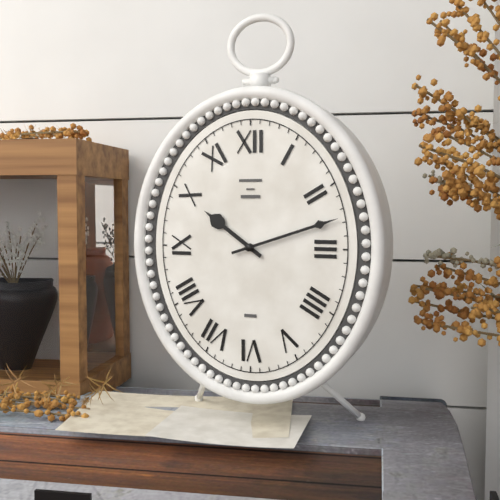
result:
10.12
